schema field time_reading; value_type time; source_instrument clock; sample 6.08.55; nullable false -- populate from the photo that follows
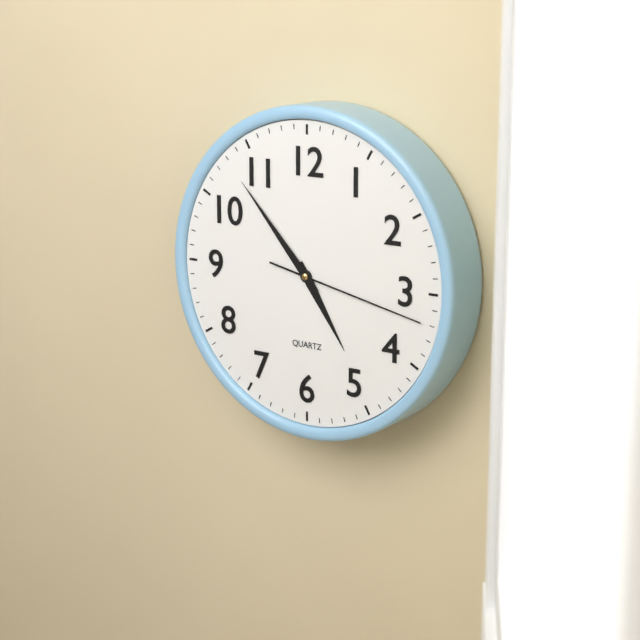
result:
4.53.17
